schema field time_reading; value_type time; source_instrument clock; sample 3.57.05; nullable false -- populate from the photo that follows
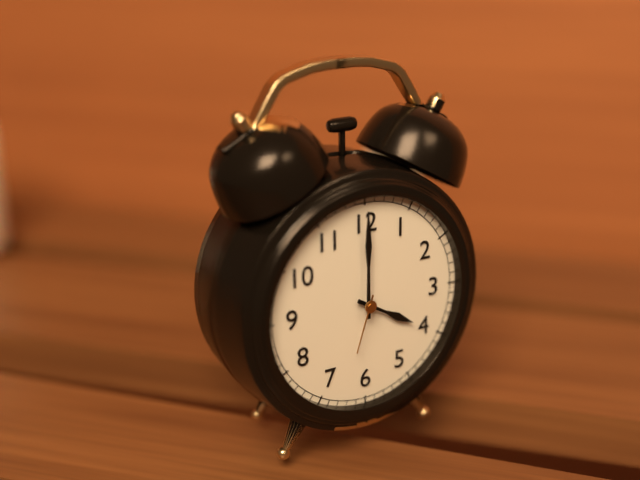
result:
4.00.33
